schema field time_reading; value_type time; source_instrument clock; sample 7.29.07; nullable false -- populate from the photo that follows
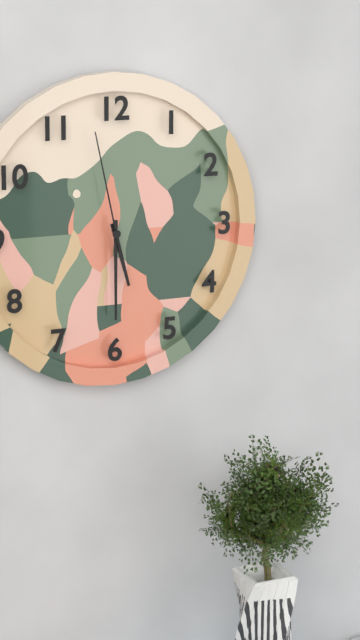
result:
5.30.58
